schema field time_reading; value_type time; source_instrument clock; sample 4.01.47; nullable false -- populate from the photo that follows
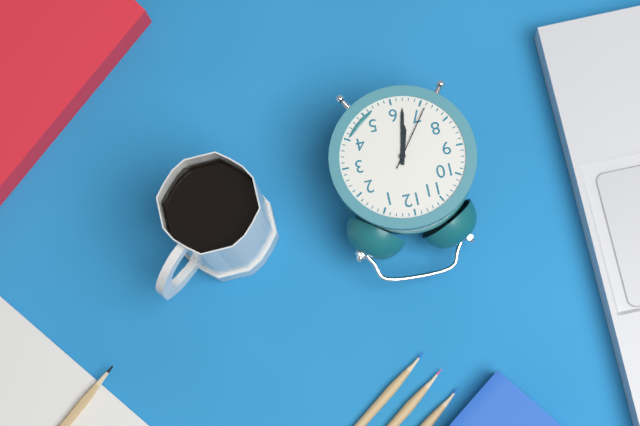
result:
6.32.36
